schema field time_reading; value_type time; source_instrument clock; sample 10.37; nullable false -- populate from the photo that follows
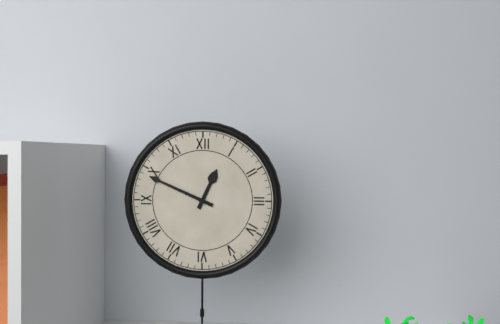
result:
12.49
